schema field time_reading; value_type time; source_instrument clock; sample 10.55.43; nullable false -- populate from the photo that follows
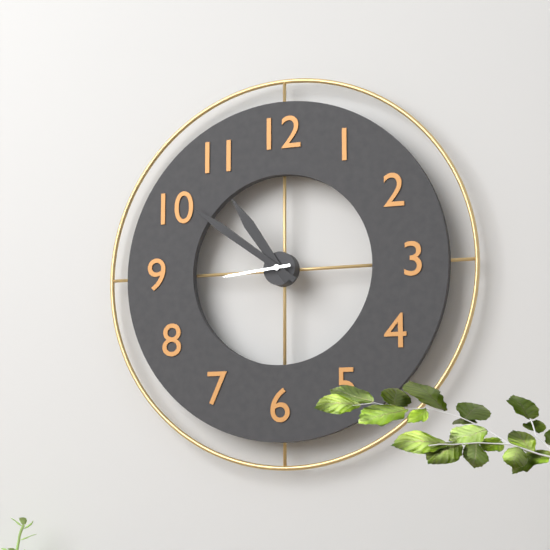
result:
10.51.44
